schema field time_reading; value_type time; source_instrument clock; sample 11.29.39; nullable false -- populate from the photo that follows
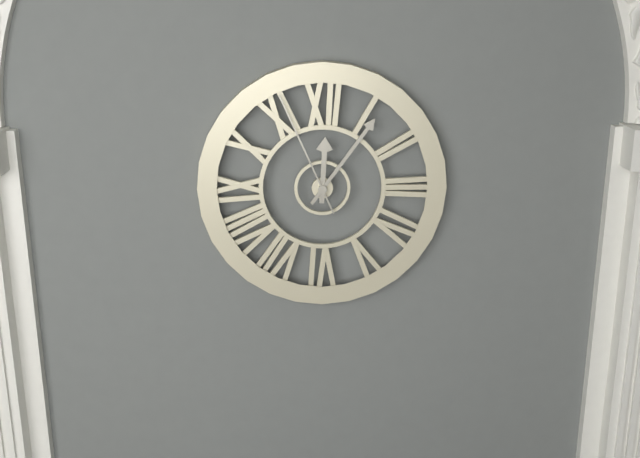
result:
12.06.56
